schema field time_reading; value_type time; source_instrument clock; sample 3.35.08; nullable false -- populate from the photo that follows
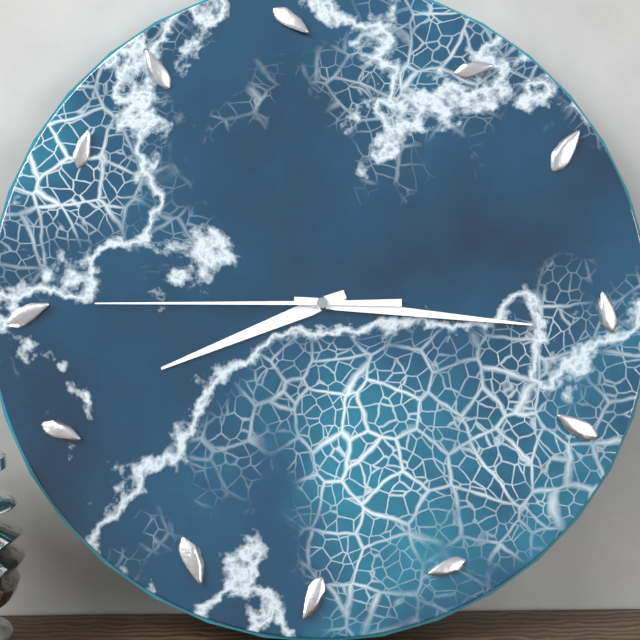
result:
8.16.45
